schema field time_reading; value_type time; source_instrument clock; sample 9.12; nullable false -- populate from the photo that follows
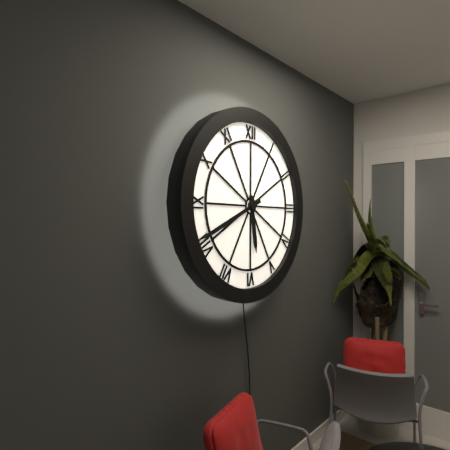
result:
5.41
